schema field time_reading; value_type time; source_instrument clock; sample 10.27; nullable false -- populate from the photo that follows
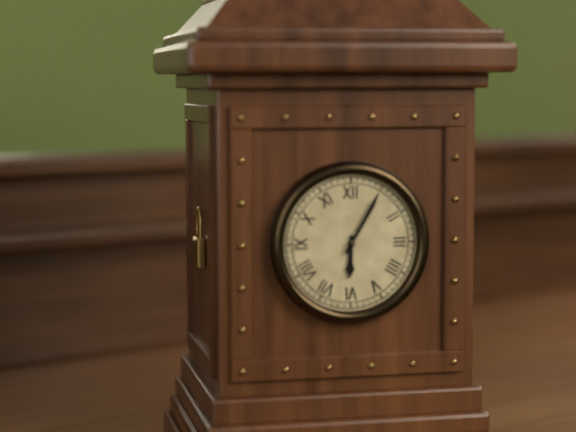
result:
6.05
